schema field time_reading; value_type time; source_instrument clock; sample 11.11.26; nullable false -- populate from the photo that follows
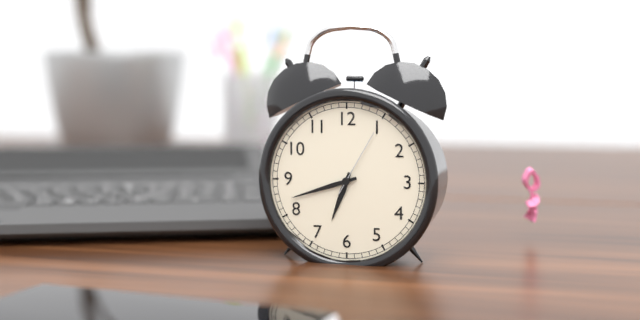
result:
6.42.05
